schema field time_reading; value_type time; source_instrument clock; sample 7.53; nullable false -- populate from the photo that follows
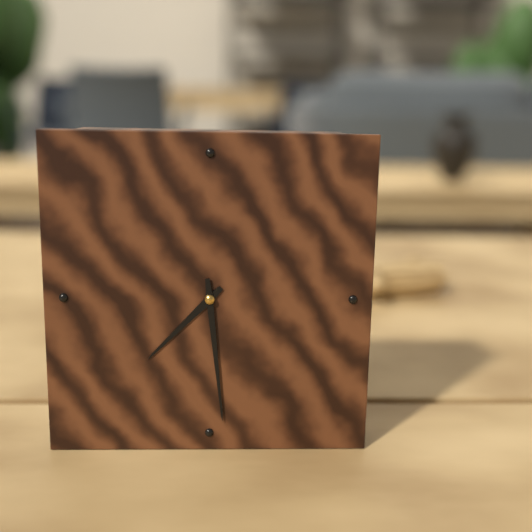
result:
7.29
